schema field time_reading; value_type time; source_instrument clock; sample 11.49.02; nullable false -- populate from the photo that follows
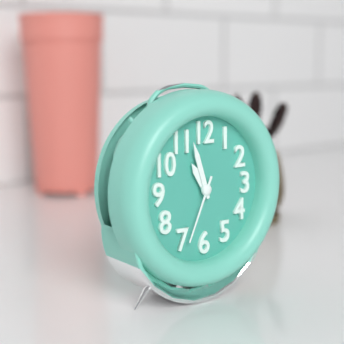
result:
10.57.34
